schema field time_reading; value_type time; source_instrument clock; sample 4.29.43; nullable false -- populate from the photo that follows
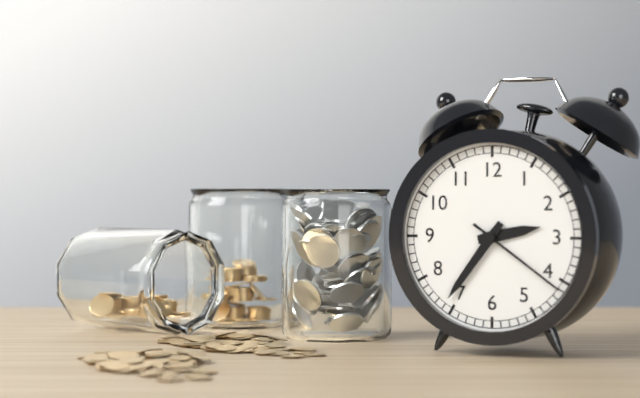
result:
2.36.21
